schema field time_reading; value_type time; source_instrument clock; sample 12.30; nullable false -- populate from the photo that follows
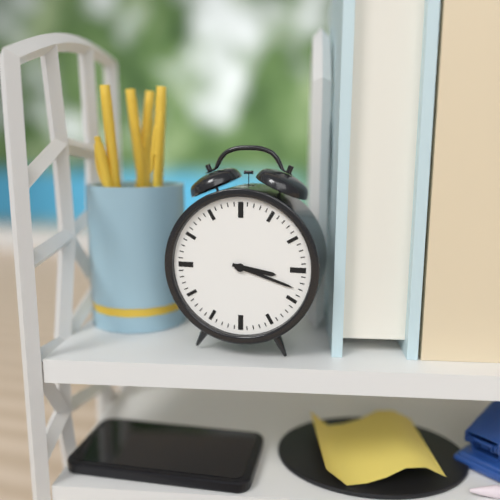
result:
3.18
